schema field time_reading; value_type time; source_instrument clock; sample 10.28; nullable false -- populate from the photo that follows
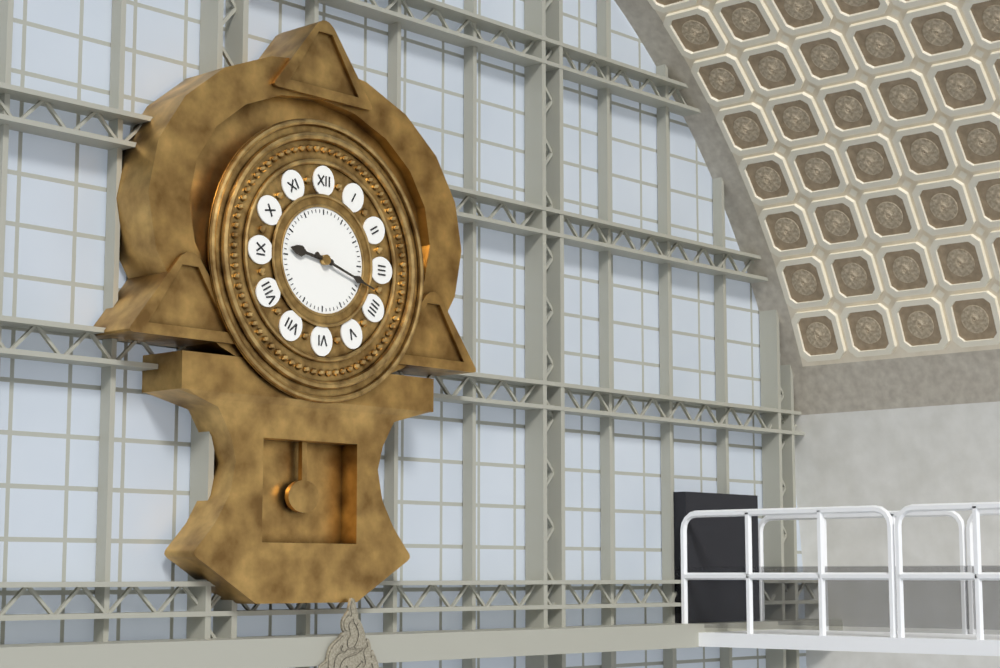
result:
9.18
